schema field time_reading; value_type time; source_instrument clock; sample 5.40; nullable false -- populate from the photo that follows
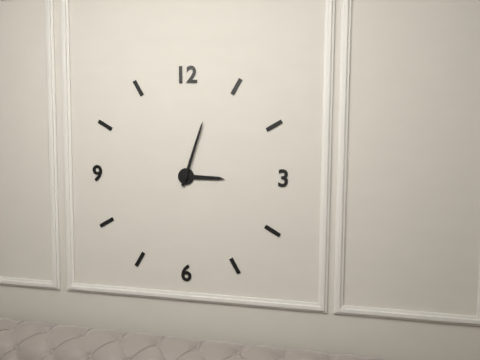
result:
3.03
